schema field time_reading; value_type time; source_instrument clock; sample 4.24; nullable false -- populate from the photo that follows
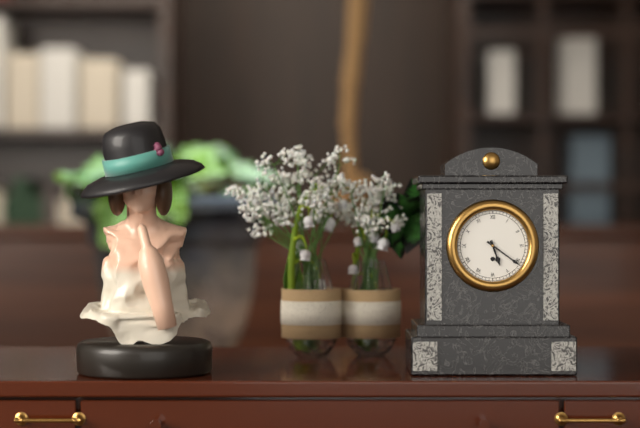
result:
5.21
